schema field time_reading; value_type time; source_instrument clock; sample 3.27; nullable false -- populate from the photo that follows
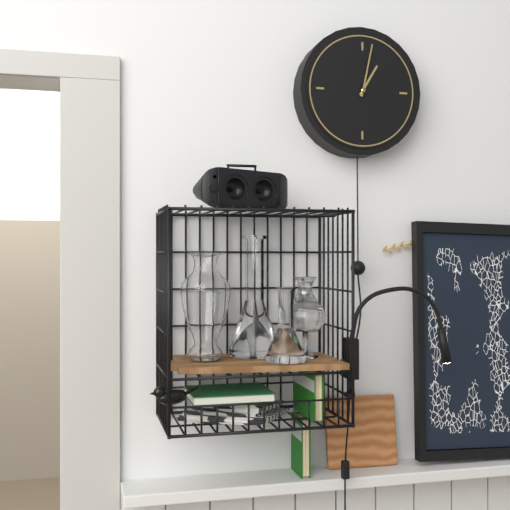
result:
1.02
